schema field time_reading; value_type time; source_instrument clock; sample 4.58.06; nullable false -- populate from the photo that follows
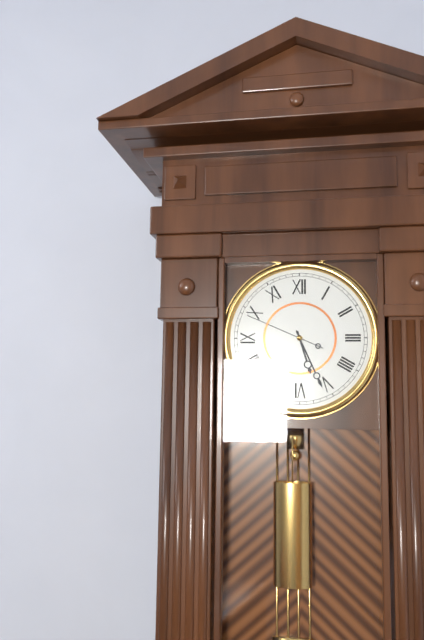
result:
5.26.49
